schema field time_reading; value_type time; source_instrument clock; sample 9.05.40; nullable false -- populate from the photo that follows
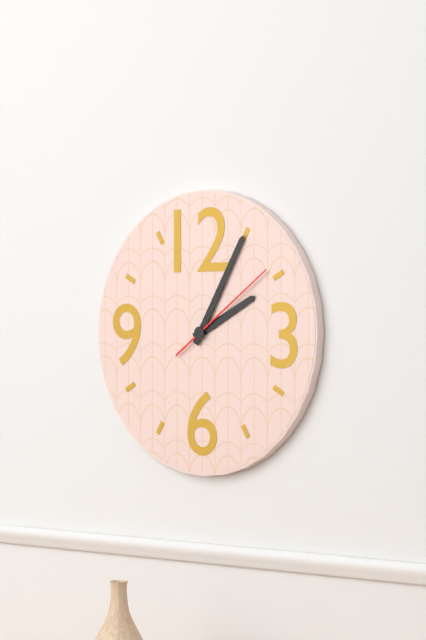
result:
2.05.09
